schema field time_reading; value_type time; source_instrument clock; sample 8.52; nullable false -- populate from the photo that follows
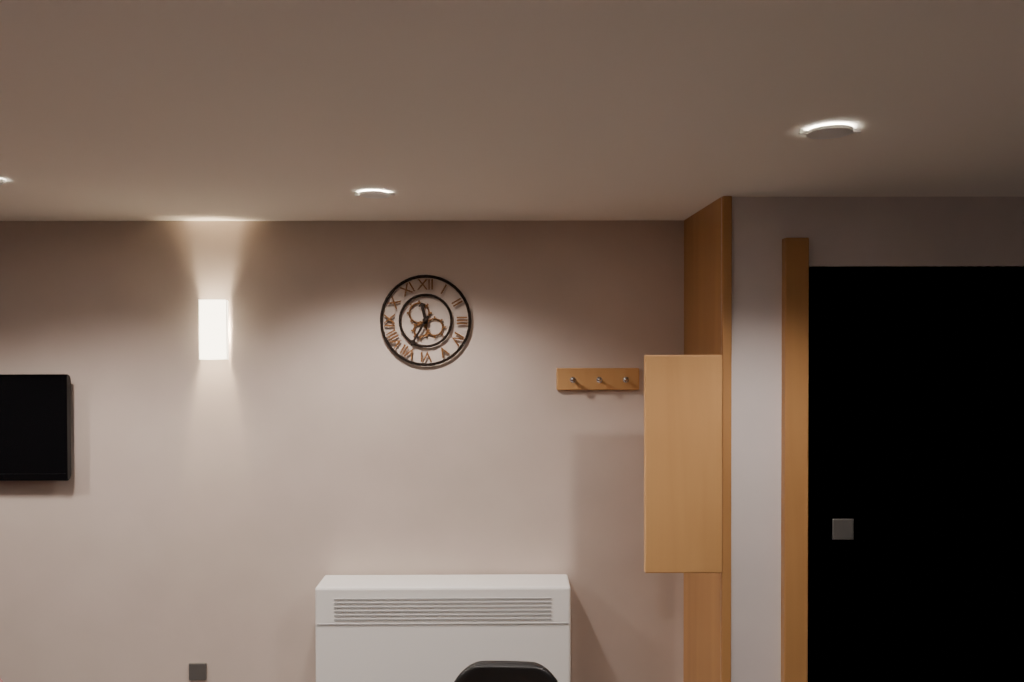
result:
11.35
